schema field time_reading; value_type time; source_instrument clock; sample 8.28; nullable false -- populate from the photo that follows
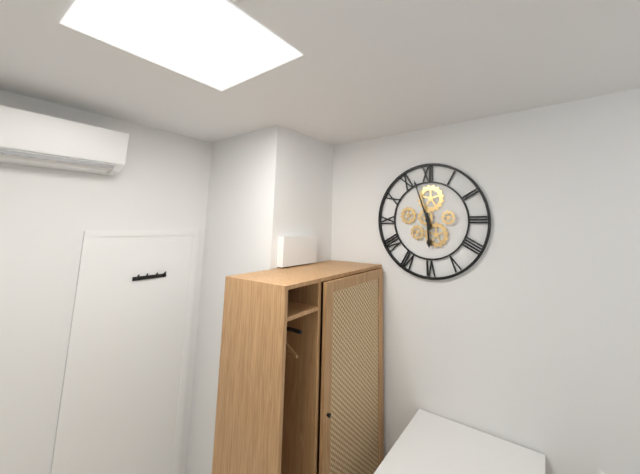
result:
5.57
